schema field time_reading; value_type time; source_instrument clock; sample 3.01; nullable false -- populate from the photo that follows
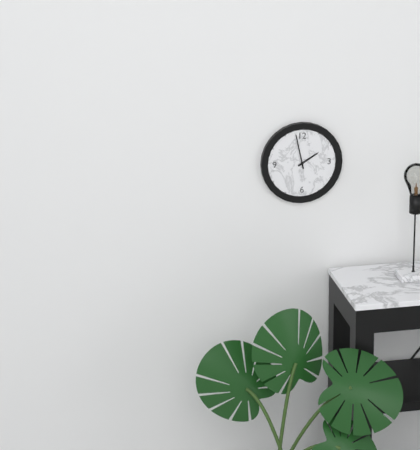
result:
1.58
